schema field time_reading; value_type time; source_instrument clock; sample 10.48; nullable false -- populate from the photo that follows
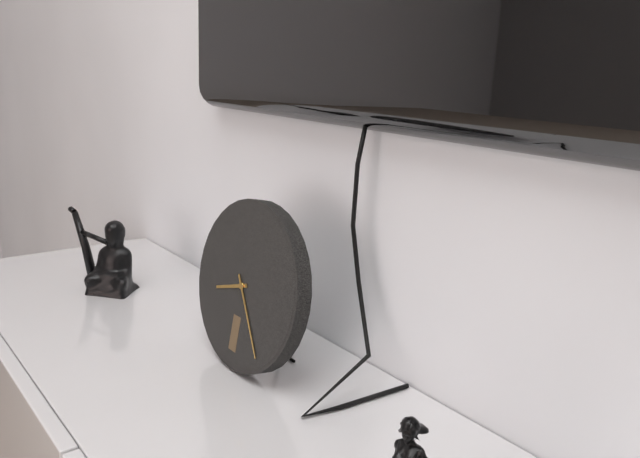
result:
8.24
